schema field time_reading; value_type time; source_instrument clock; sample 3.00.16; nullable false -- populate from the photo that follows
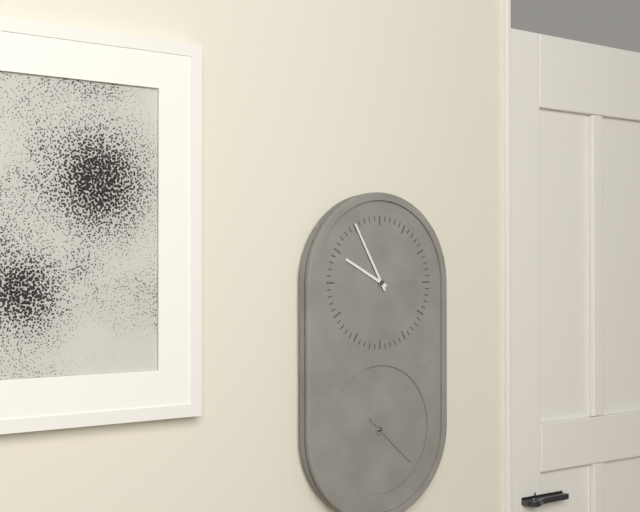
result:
9.55.22
